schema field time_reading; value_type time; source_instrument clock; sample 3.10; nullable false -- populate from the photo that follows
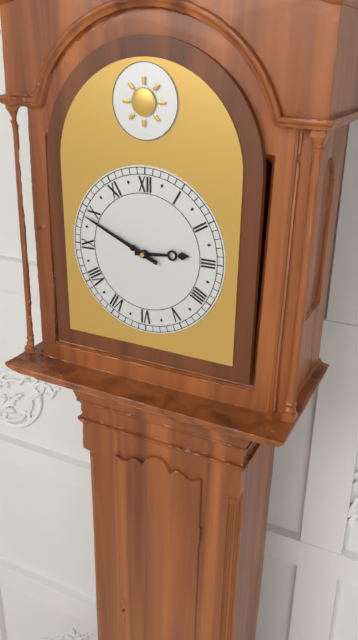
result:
2.49
